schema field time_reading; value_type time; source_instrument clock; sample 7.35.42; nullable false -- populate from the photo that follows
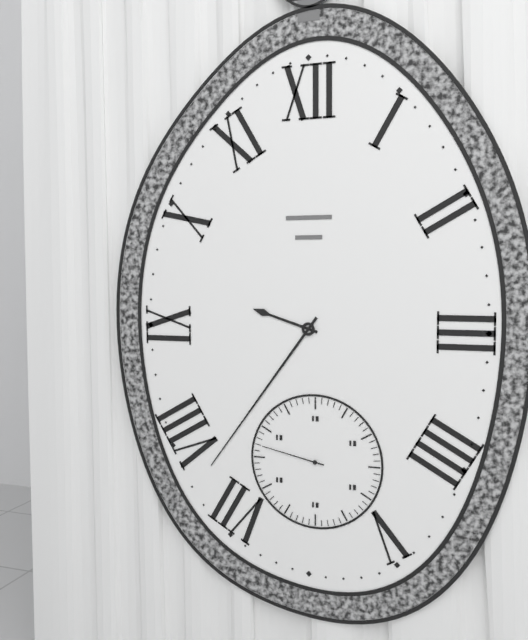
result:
9.36.47
